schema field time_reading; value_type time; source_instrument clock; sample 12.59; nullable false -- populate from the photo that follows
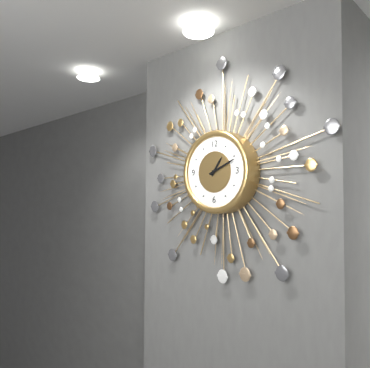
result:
1.11
